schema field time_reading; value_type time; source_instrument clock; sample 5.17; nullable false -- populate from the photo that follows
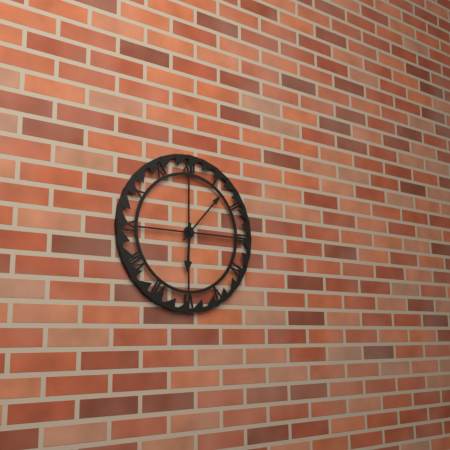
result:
6.07
